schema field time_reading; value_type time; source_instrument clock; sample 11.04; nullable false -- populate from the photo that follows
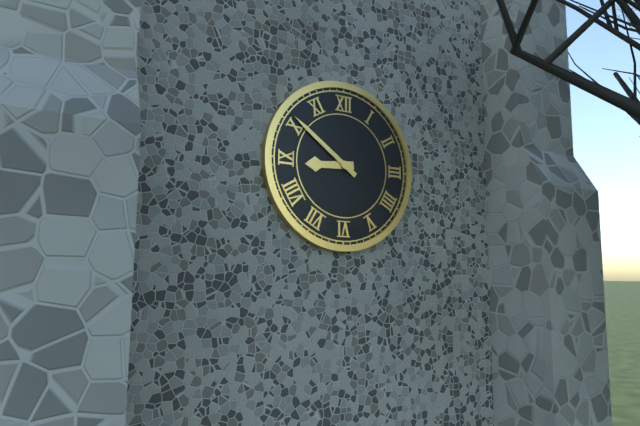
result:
8.51
